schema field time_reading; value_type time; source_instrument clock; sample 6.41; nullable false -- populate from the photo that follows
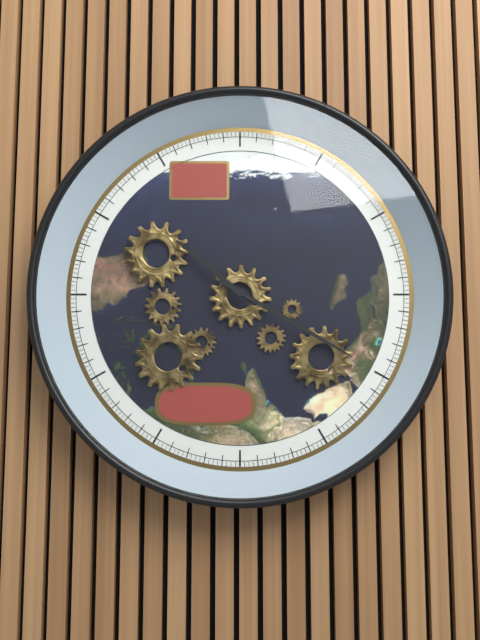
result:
10.20
